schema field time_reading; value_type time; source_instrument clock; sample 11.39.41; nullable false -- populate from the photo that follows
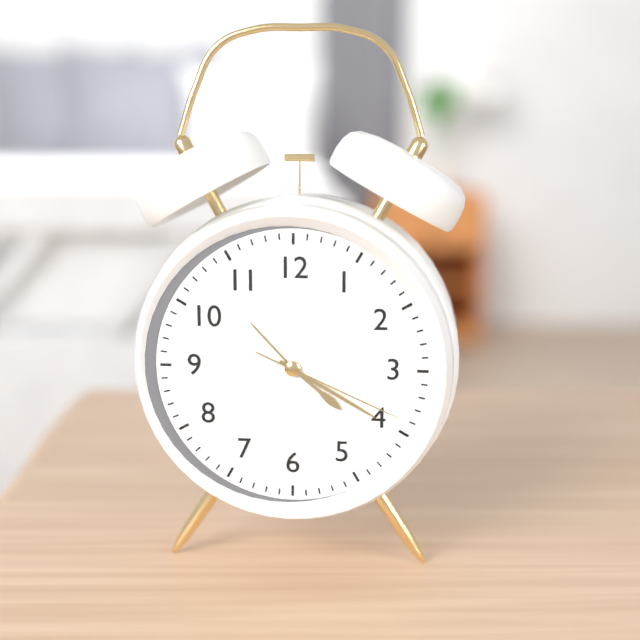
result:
4.20.19
